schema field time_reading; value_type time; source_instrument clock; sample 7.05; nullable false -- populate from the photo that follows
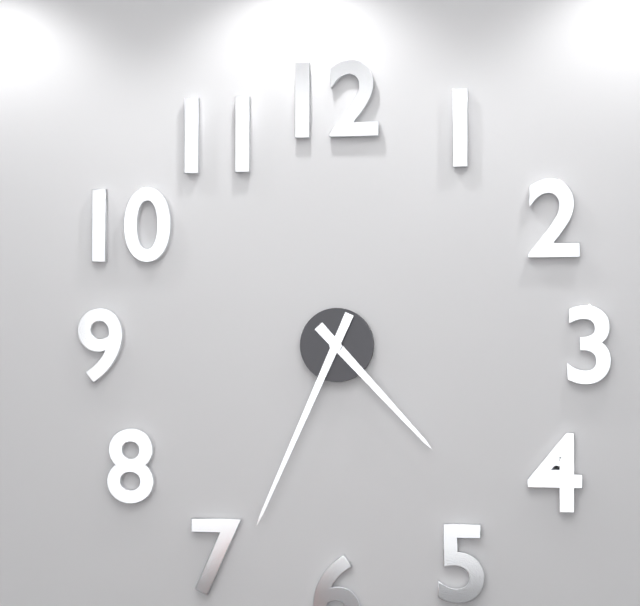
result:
4.34
